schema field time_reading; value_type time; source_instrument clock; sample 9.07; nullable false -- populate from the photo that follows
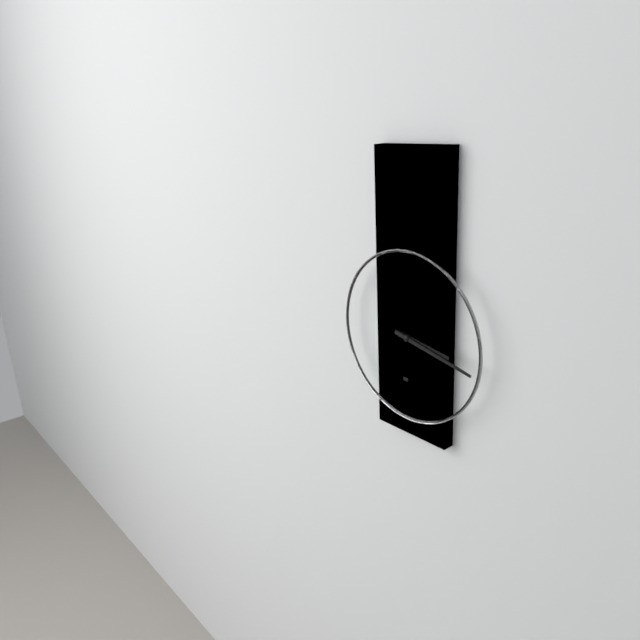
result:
3.17
